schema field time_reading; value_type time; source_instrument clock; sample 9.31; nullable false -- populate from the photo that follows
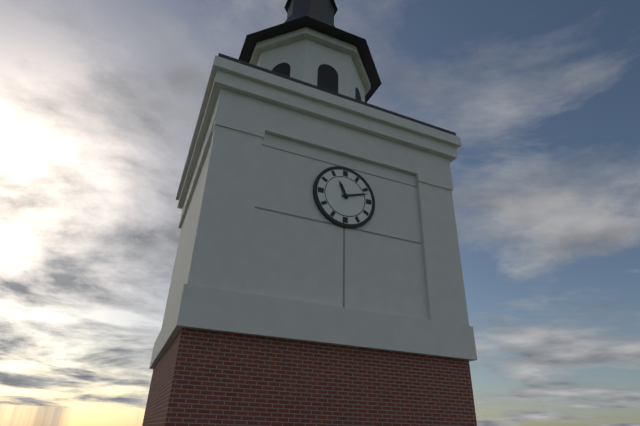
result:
11.12
